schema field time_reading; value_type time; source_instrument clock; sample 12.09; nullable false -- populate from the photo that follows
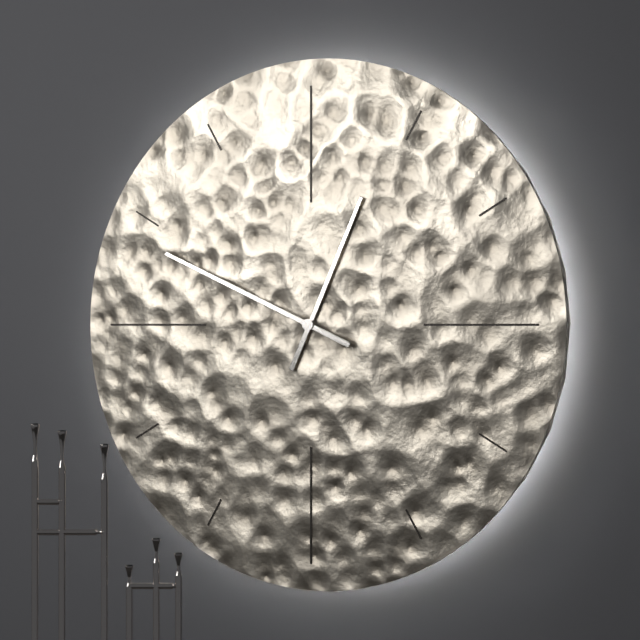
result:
12.49
